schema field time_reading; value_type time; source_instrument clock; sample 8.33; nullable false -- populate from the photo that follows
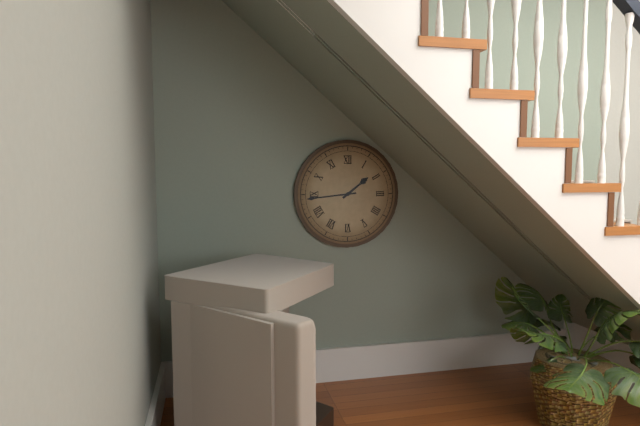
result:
1.44
